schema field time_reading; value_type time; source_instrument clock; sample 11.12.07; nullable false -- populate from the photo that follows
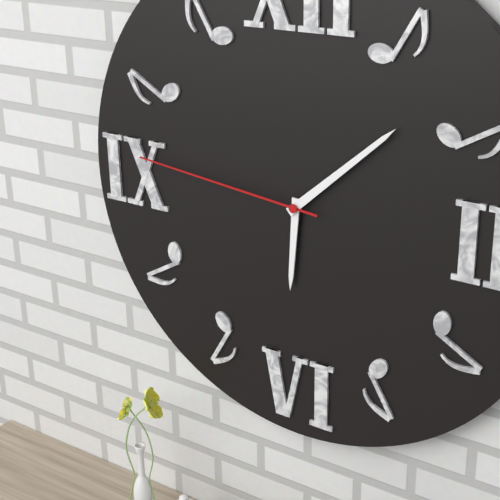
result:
6.08.46
